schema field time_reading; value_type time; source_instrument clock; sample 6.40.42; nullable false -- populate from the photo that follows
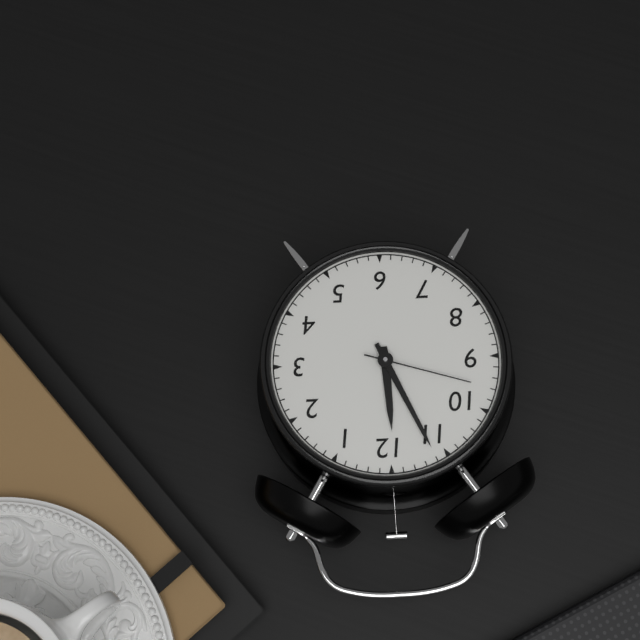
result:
11.56.48
